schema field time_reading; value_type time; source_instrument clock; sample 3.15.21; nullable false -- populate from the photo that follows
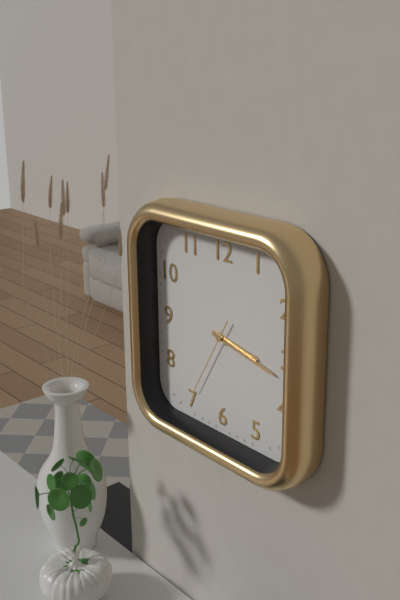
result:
3.17.35
